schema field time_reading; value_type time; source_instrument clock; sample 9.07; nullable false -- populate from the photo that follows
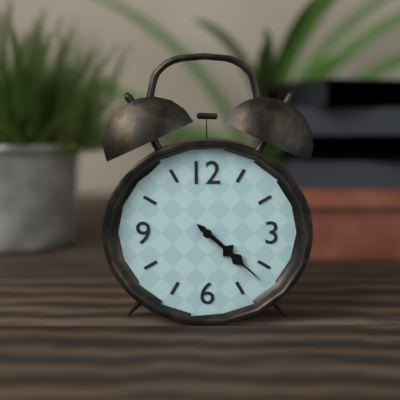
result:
4.22
